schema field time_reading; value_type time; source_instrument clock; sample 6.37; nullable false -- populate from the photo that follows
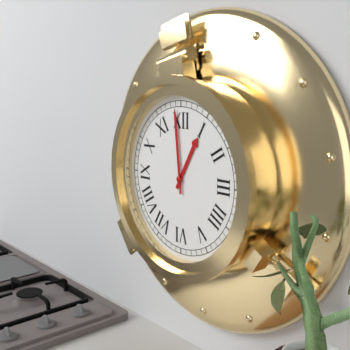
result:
12.59
